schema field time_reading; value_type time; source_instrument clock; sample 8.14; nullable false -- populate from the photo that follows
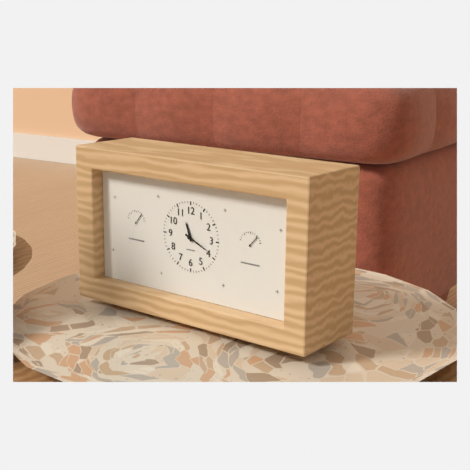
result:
11.19
